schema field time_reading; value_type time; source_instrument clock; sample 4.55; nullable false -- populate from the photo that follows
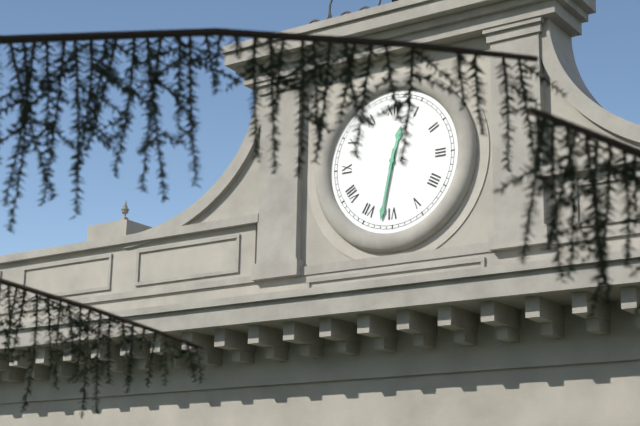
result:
12.32
